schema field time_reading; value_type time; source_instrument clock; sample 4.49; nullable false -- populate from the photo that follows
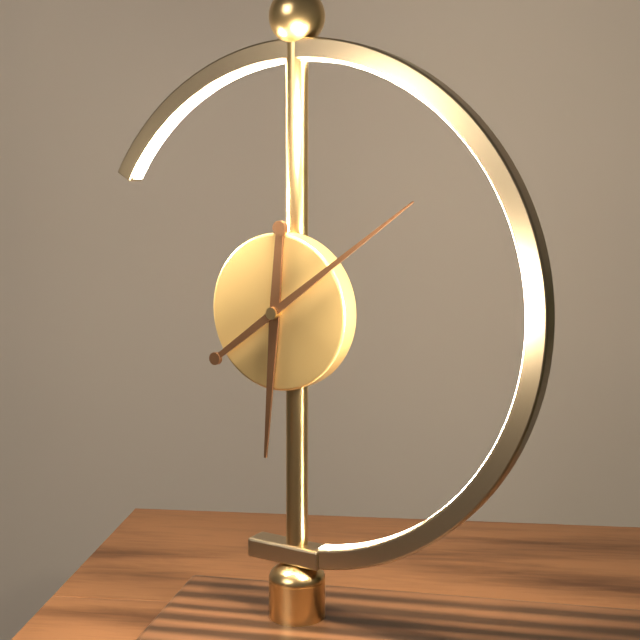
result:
6.09
